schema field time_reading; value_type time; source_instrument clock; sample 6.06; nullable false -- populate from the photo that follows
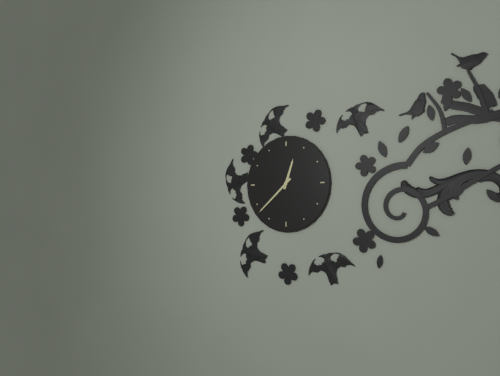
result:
12.38
